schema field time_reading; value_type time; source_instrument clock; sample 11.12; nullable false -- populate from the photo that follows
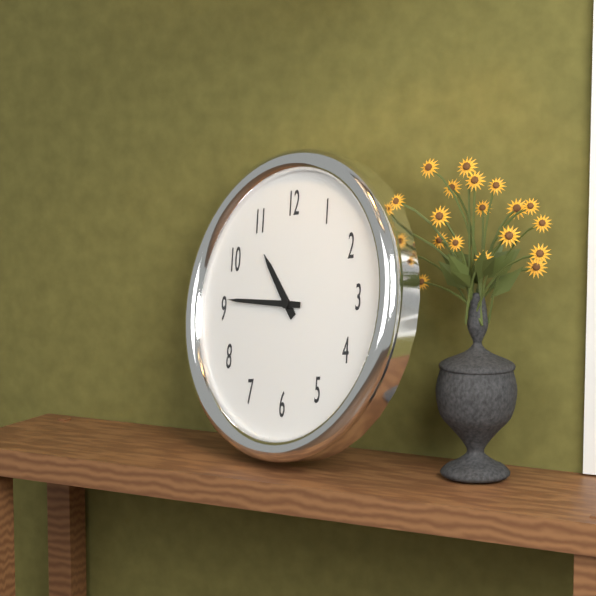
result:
10.46
